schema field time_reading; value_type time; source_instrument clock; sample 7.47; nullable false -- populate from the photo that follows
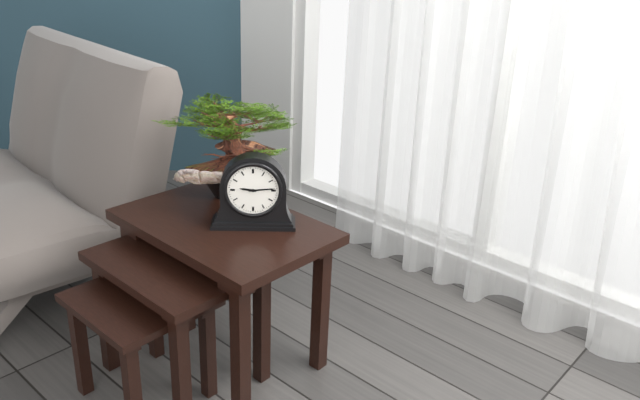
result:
9.14
